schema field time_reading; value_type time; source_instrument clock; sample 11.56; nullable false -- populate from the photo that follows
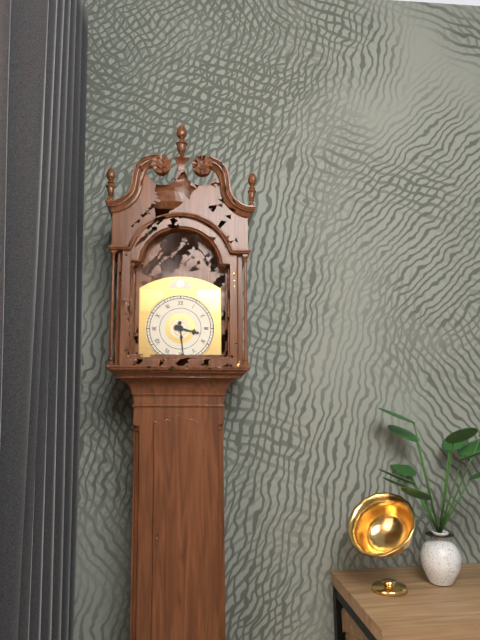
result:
3.29
